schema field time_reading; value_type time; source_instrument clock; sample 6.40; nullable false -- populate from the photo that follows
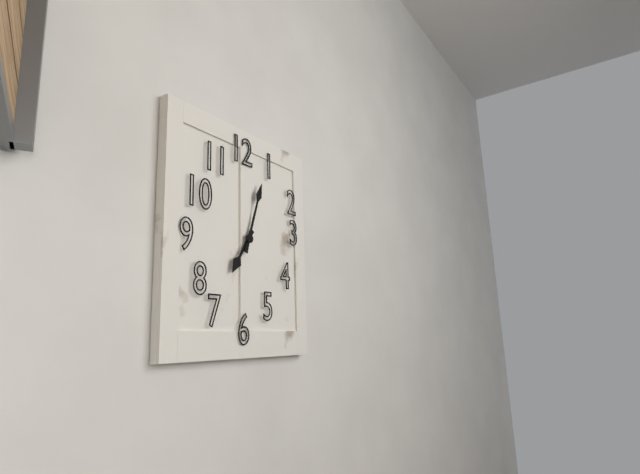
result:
7.03
